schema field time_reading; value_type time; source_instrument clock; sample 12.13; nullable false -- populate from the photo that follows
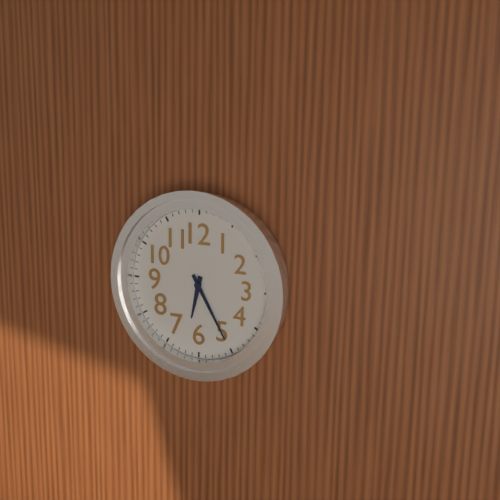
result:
6.25
